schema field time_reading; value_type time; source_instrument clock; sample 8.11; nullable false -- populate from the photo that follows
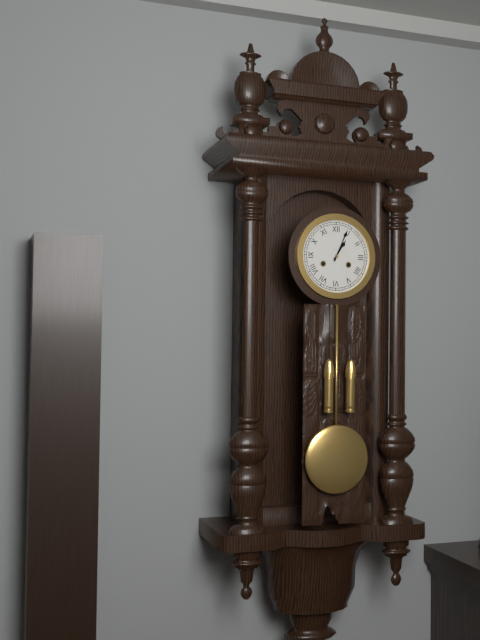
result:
1.04
